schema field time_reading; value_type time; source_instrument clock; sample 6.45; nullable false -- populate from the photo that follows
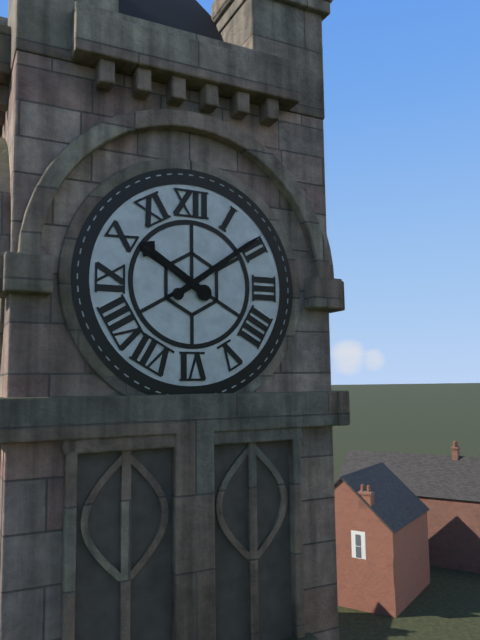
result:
10.09
